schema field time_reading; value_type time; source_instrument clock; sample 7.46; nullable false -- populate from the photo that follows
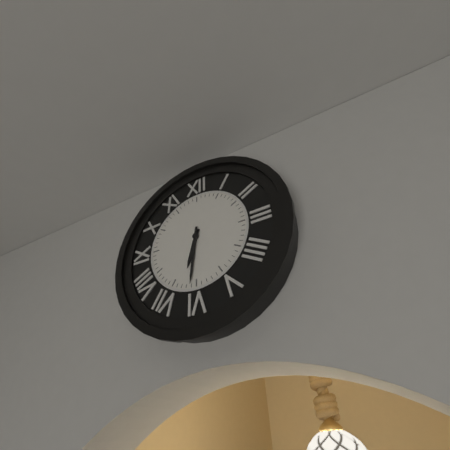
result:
6.31
